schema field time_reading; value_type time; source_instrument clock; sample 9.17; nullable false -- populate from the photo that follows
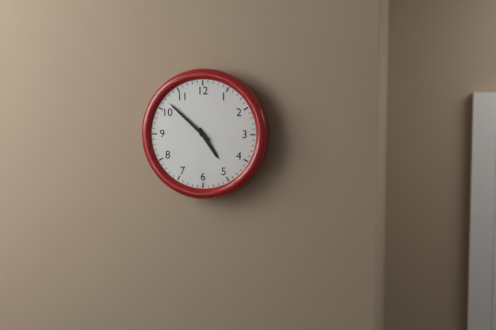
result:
4.52
